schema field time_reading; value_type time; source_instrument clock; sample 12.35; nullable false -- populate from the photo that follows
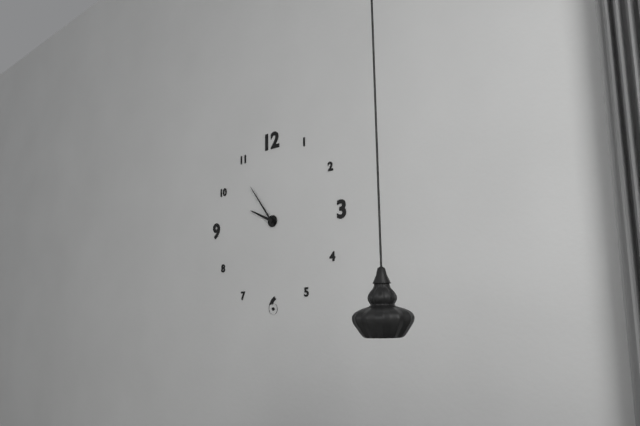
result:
9.54
